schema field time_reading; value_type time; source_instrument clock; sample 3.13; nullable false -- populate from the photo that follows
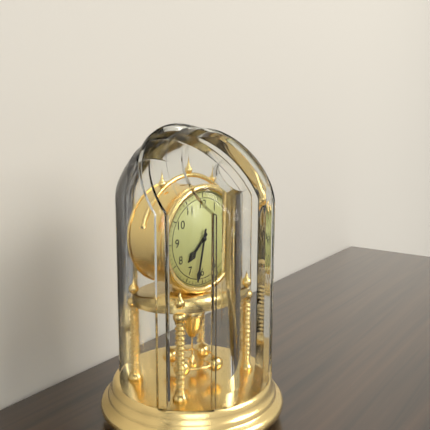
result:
7.32
